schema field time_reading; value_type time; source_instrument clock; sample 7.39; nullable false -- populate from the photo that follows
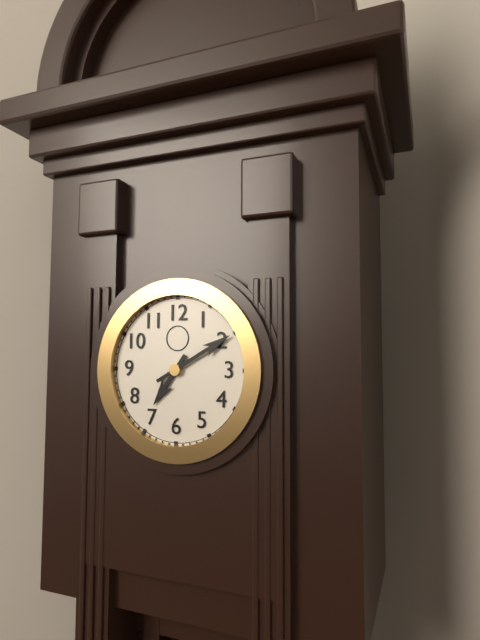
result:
7.10
